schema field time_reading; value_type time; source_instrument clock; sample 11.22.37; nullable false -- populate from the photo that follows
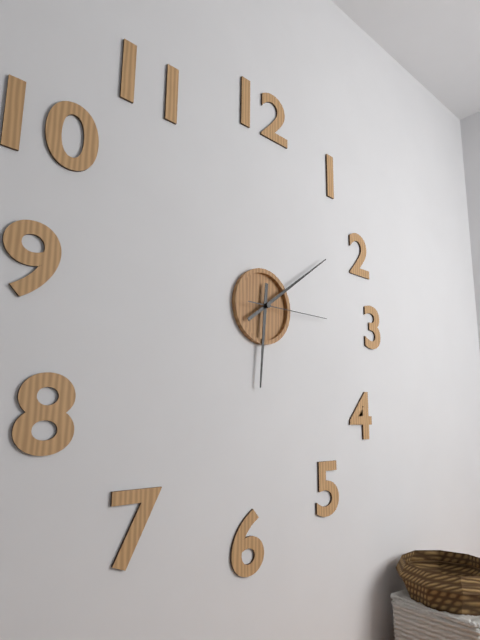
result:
6.09.15
